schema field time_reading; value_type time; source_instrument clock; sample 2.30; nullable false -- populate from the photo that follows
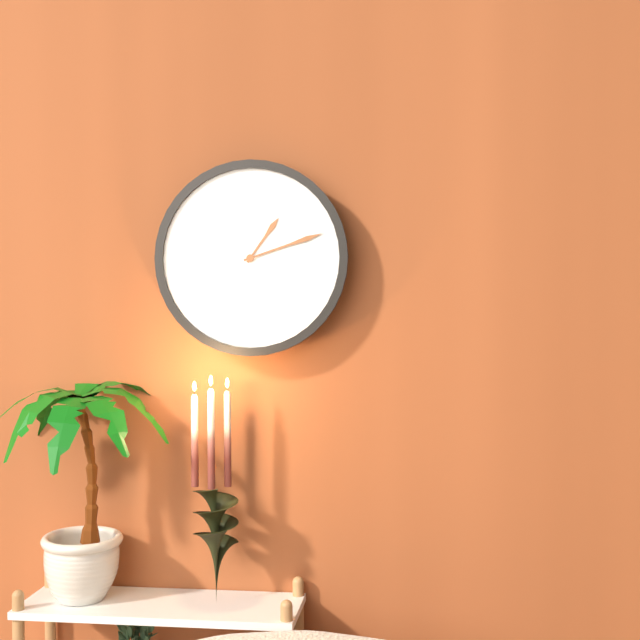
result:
1.12
